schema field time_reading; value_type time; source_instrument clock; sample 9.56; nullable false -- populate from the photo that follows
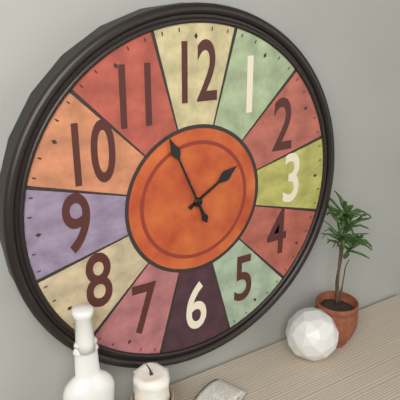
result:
1.56
